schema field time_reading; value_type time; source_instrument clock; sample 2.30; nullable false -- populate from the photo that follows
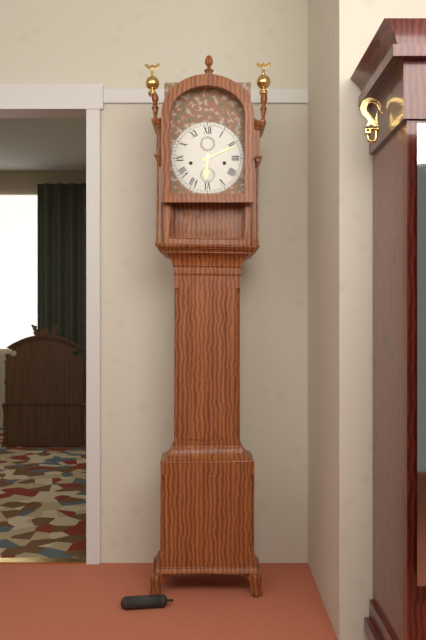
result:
6.11
